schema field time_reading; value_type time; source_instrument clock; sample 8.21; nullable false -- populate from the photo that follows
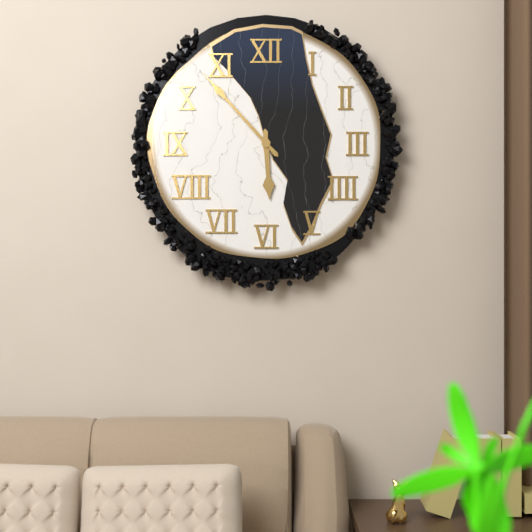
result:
5.53
